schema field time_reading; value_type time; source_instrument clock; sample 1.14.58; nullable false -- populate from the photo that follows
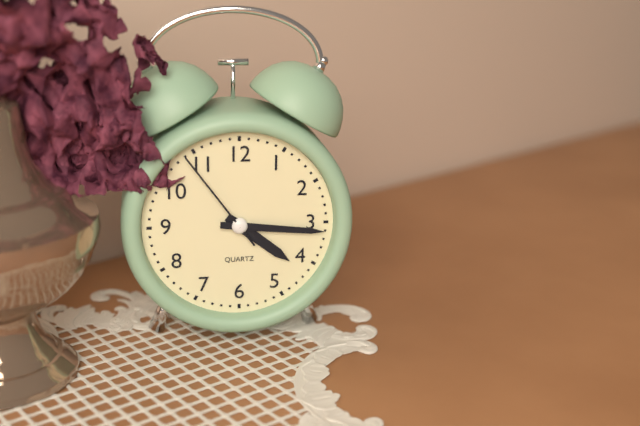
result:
4.16.54
